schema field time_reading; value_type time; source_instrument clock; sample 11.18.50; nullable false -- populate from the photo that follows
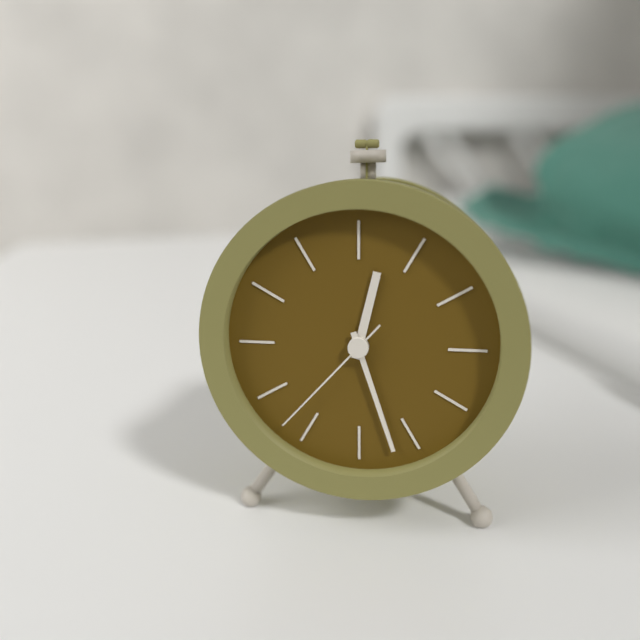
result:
12.27.37
